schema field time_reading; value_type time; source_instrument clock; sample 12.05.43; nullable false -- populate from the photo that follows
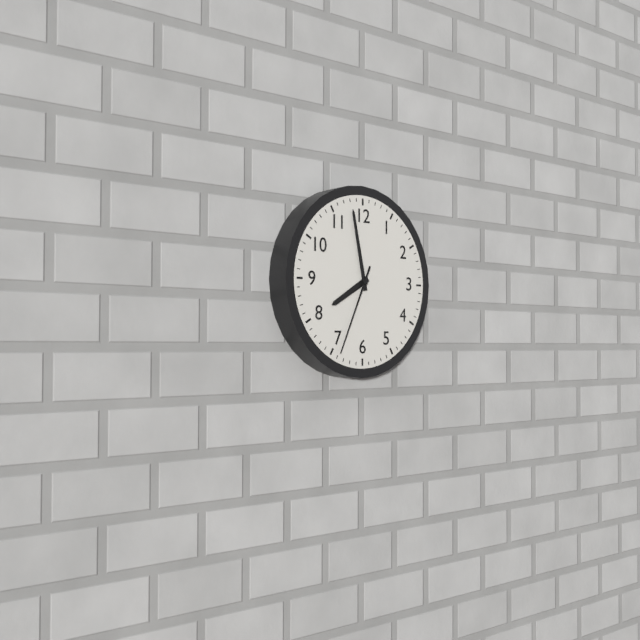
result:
7.58.34
